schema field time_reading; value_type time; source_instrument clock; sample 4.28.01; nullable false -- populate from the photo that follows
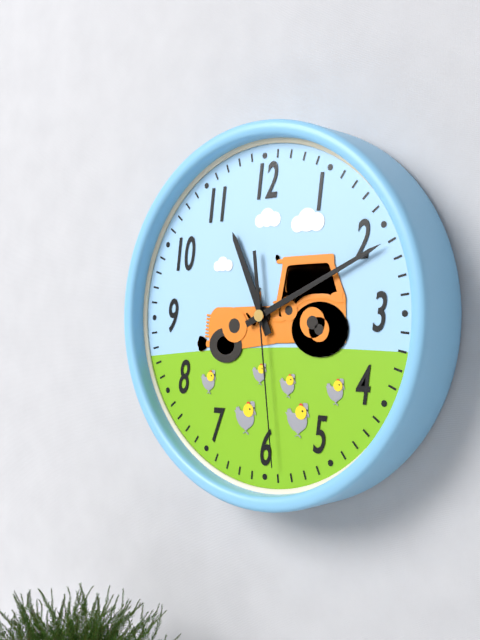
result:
11.11.29
